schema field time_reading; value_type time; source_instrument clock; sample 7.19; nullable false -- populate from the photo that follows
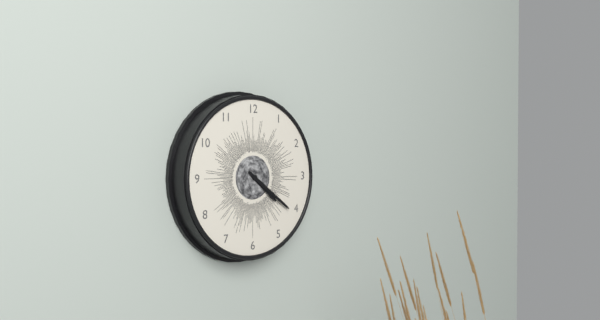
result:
4.21
